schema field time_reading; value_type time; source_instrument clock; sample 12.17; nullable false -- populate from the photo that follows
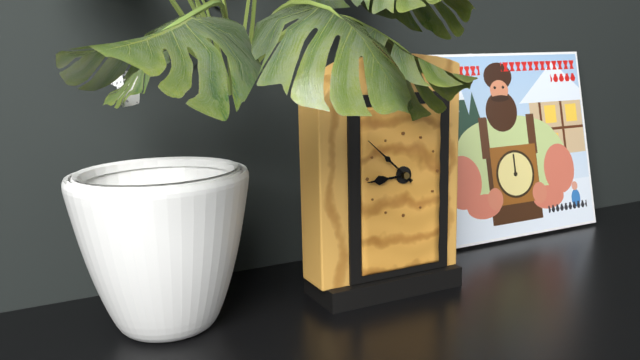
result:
8.52
